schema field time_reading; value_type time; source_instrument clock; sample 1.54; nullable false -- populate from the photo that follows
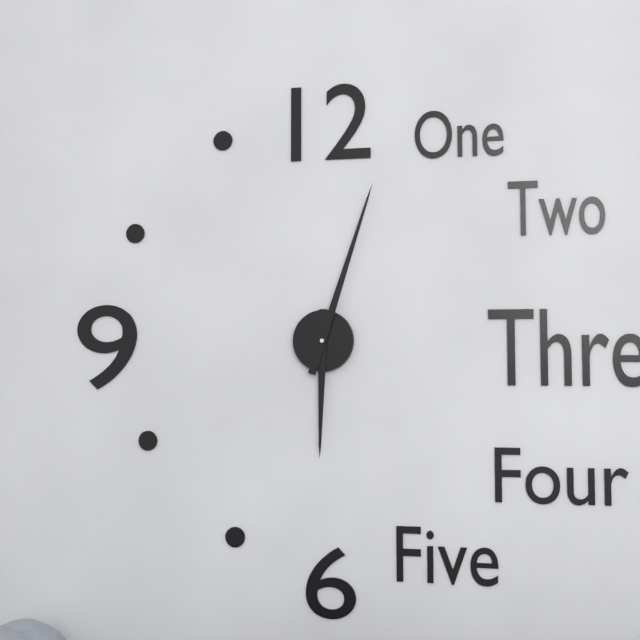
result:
6.03
